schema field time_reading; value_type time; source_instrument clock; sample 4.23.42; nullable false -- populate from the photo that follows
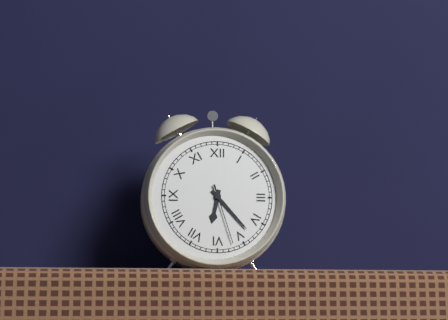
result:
6.23.27
